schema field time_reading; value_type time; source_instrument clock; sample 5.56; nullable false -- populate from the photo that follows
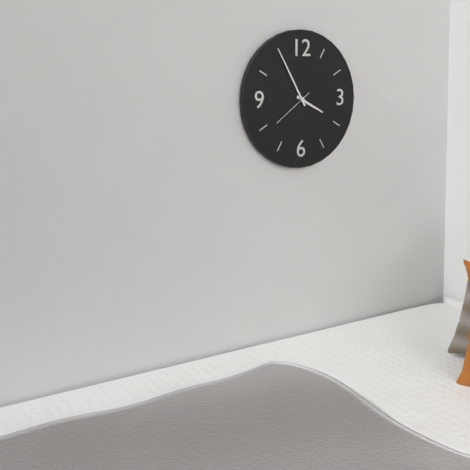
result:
3.55
